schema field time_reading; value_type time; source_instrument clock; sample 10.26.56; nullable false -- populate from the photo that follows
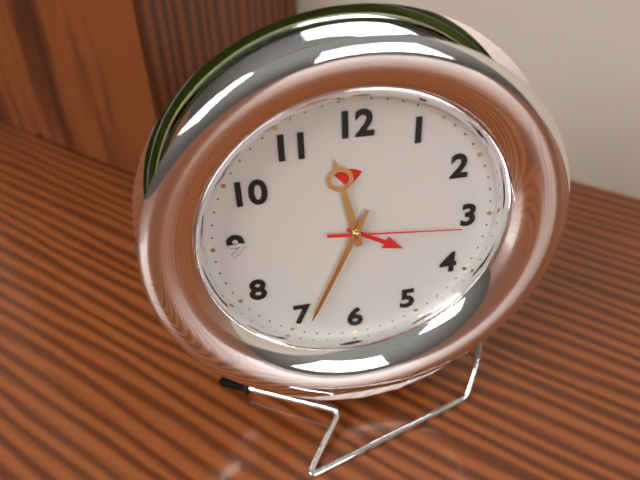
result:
11.34.16
